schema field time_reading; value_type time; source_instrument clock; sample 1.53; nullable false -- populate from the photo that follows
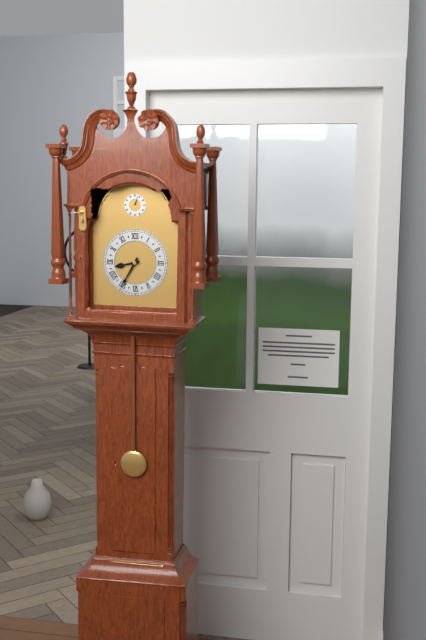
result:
8.35
